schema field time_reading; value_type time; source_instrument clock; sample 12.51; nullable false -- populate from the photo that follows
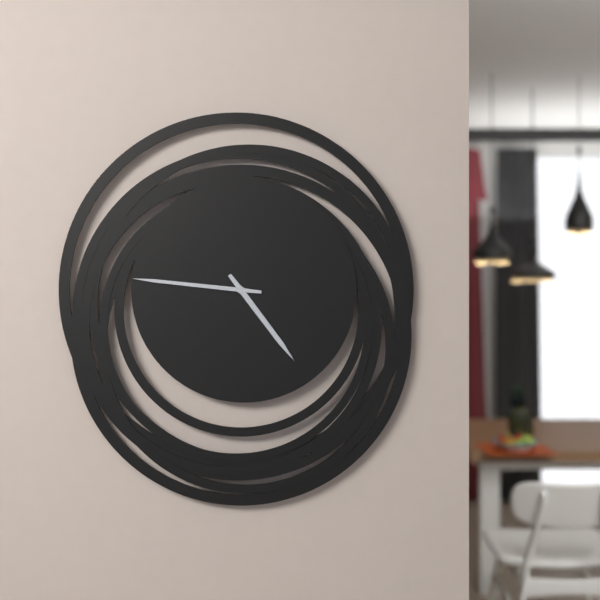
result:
4.46
